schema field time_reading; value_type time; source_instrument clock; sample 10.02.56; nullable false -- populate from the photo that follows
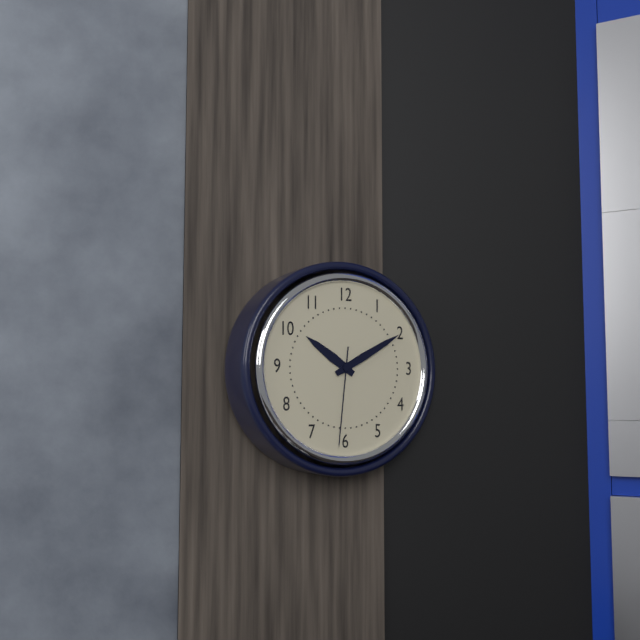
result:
10.10.31
